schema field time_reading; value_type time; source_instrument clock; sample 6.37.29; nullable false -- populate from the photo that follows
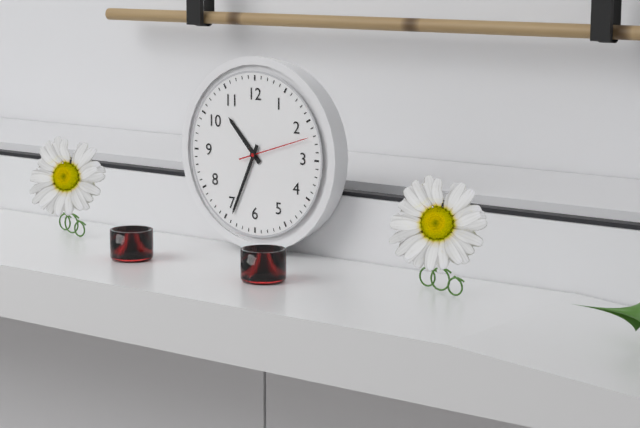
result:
10.34.12
